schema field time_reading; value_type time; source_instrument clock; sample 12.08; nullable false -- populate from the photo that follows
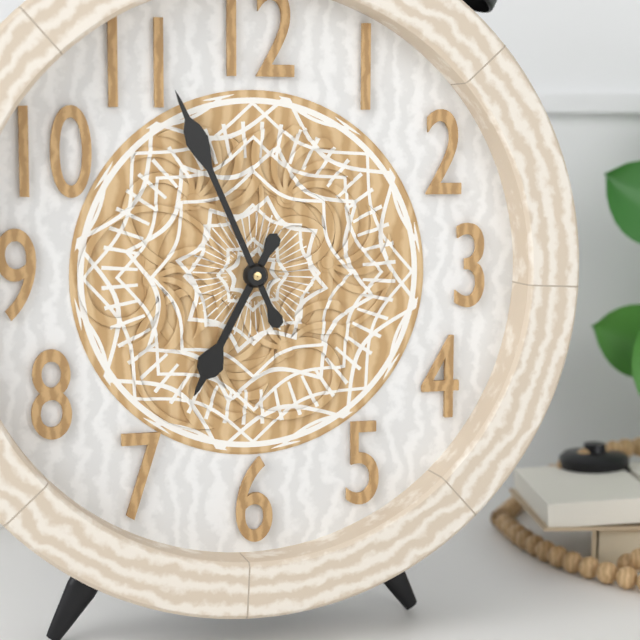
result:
6.56
